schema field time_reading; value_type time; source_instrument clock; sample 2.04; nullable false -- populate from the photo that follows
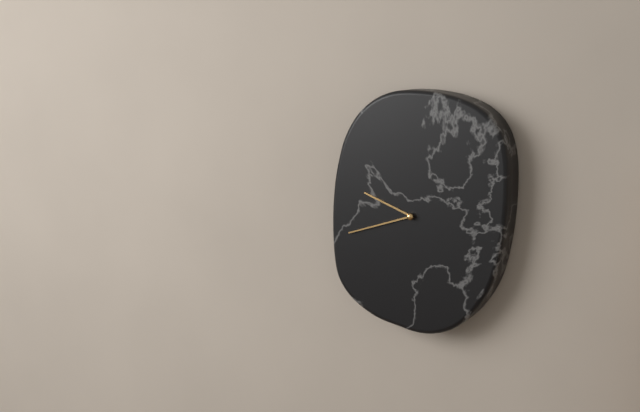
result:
9.42
